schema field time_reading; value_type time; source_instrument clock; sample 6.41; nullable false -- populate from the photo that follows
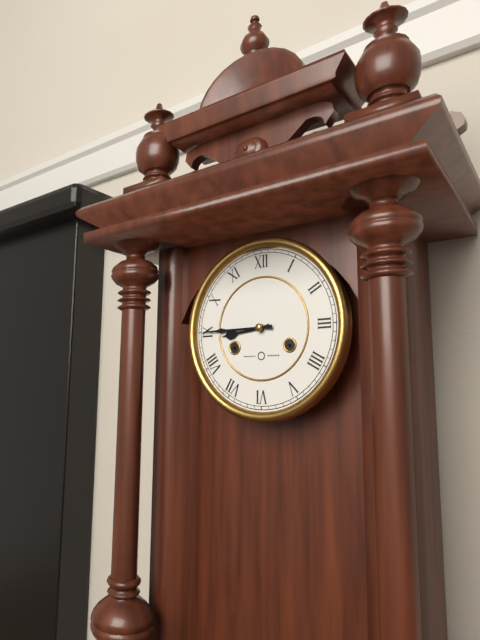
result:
8.45
